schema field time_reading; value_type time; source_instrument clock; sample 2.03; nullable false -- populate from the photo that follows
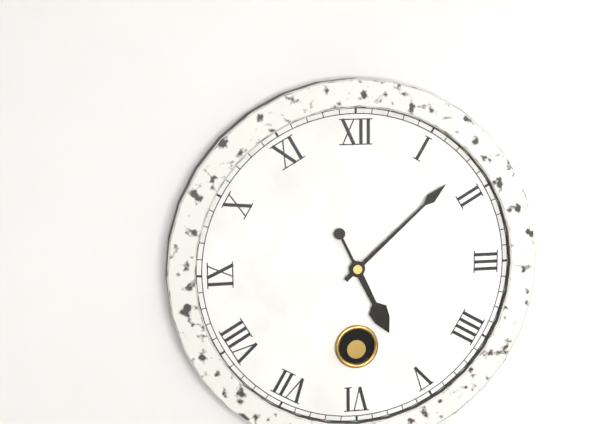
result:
5.08
